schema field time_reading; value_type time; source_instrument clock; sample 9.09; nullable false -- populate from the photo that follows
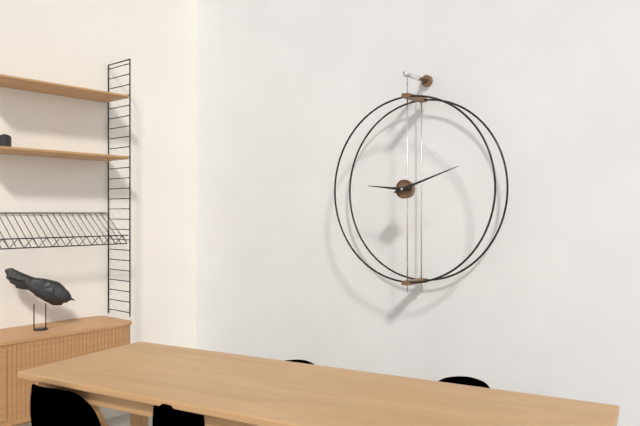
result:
9.12
